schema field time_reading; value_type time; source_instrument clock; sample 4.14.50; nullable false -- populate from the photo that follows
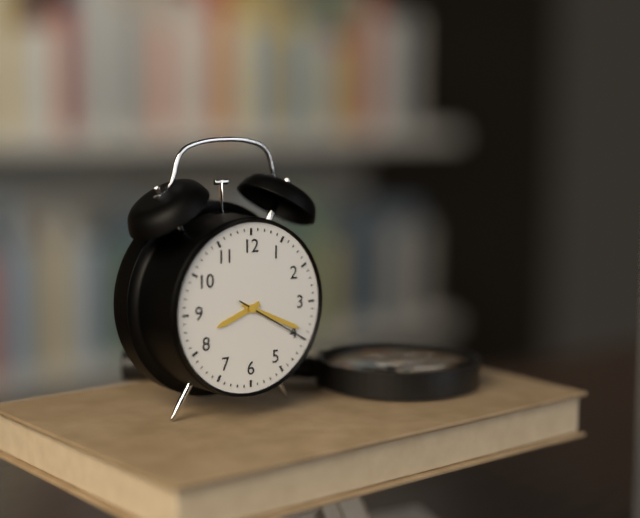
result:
8.19.20
